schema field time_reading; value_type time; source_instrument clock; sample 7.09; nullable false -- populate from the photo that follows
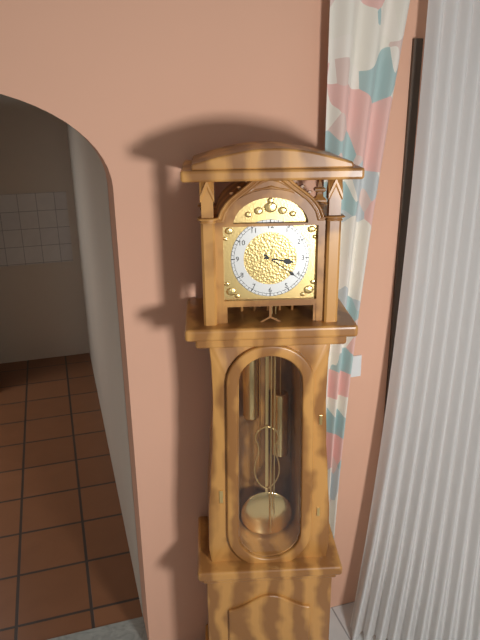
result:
3.21
